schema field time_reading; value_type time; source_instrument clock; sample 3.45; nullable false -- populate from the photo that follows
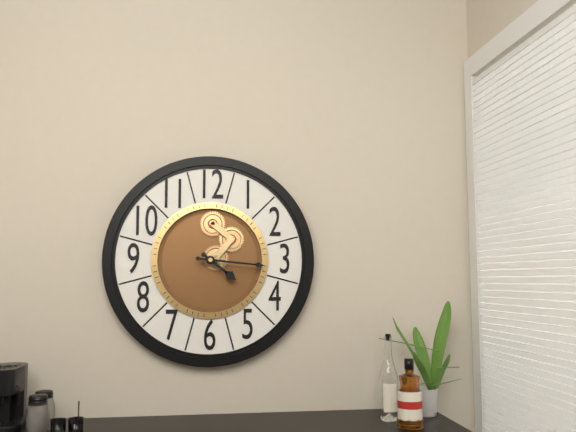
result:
4.16
